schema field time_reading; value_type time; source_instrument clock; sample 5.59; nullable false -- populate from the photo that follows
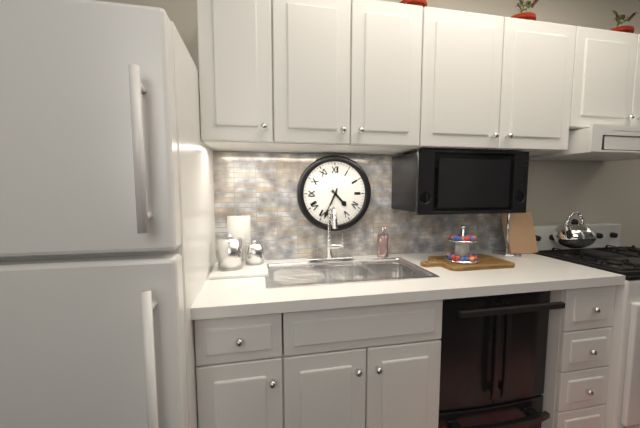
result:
4.34
